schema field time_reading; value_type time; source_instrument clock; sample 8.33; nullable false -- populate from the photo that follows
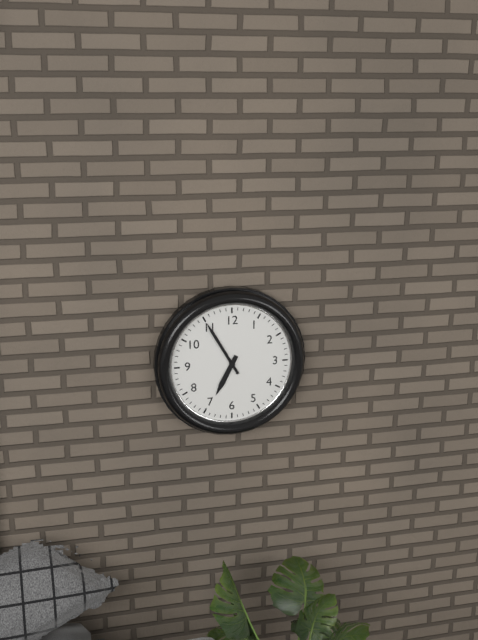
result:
6.55
